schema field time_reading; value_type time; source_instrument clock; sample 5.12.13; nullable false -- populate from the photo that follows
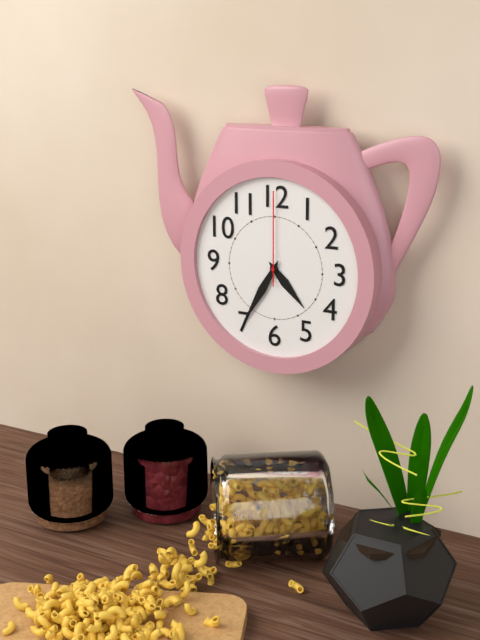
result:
4.35.00
